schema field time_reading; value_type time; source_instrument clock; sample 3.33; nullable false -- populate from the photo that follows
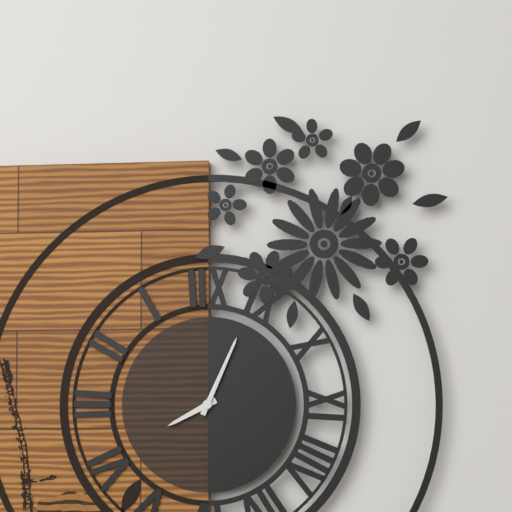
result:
8.04
